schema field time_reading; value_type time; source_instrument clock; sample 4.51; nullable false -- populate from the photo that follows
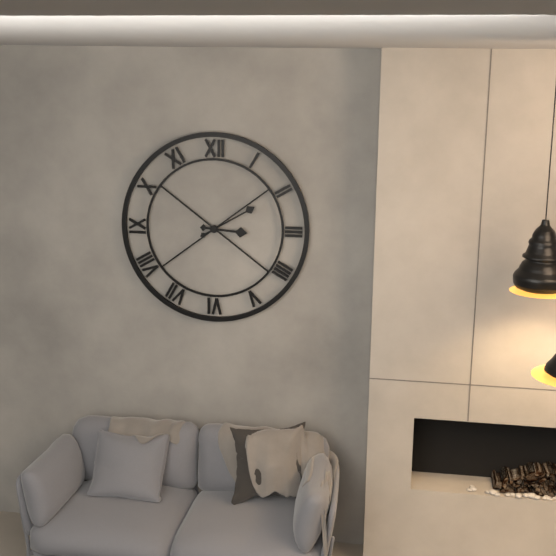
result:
3.10
